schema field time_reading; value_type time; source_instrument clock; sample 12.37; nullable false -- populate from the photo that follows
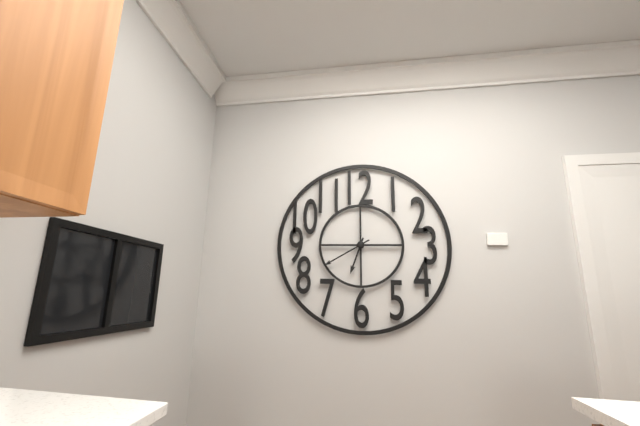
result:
6.40
